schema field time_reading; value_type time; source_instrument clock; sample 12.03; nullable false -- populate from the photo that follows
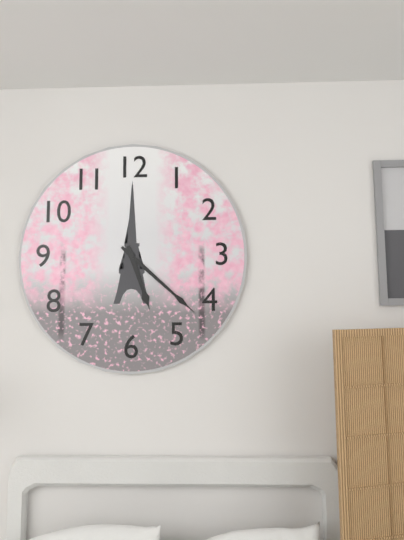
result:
5.22
